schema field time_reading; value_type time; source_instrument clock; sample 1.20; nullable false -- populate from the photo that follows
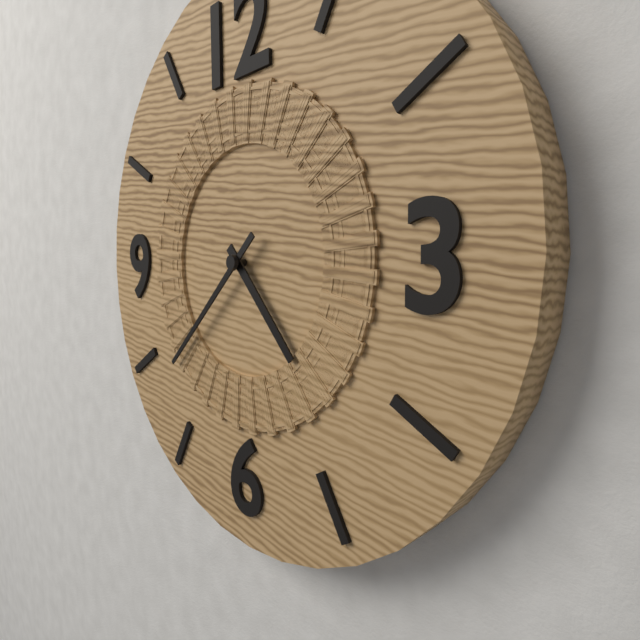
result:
4.38
